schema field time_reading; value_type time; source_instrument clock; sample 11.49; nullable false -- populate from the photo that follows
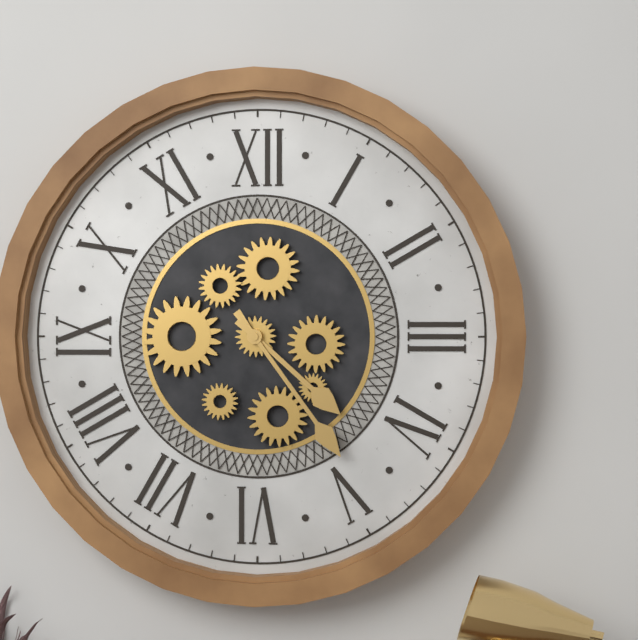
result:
4.24
